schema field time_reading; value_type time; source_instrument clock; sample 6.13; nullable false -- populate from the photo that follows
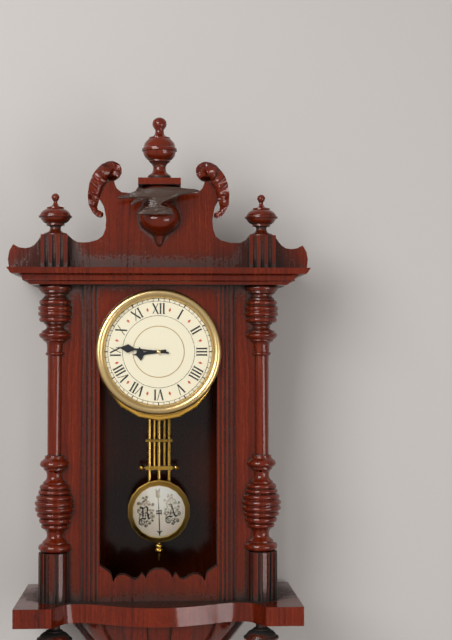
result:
8.46
